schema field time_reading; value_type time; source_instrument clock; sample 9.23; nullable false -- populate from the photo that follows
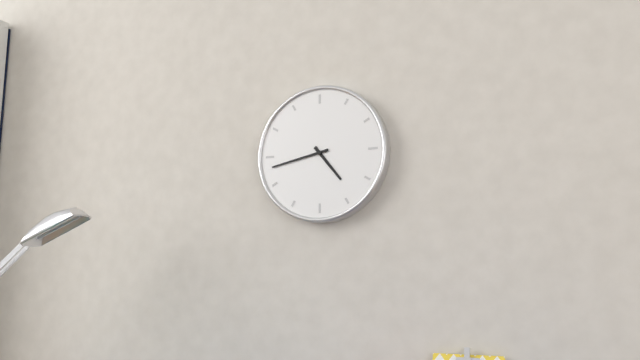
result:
4.43
